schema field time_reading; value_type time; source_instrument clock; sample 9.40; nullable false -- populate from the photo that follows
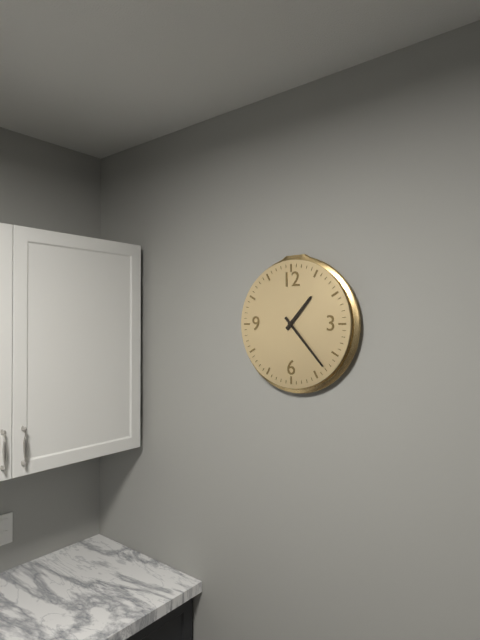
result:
1.23
